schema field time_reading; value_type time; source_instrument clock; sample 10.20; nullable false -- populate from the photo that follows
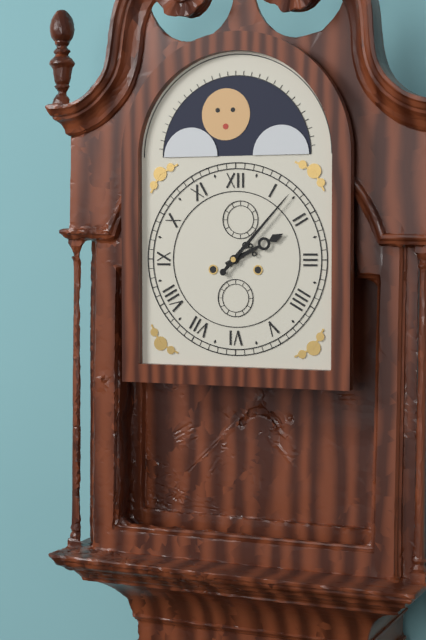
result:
2.07
